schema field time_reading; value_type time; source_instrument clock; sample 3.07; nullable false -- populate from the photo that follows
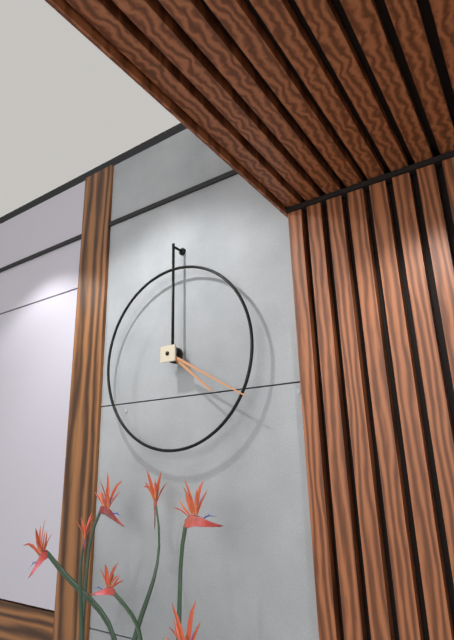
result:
4.20
